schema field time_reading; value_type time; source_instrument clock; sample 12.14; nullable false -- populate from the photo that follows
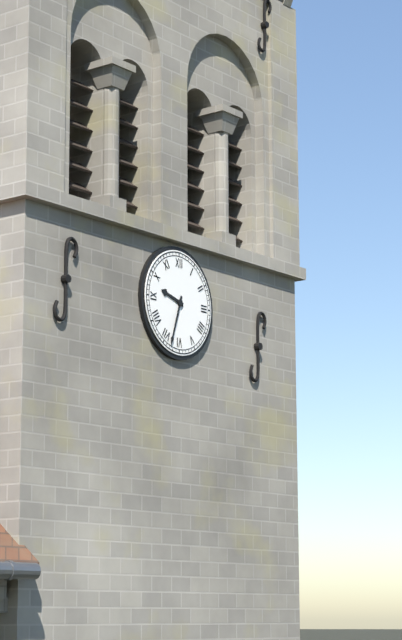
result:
9.33
